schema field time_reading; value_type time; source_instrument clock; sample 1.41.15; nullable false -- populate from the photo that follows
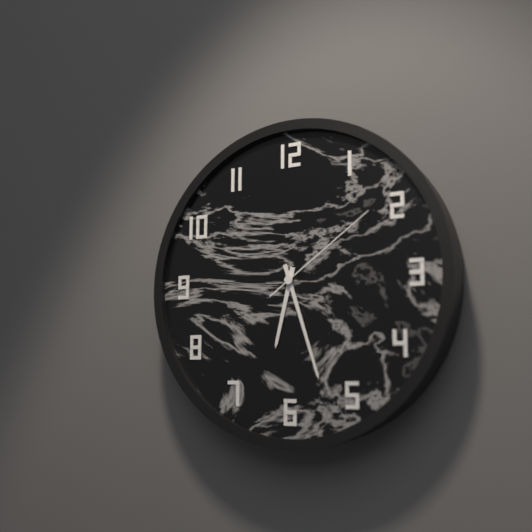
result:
6.27.09
